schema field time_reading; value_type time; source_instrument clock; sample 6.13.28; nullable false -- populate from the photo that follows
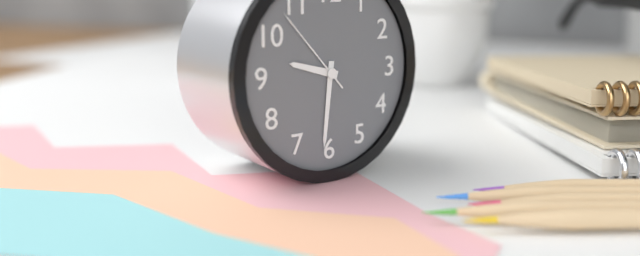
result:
9.31.53
